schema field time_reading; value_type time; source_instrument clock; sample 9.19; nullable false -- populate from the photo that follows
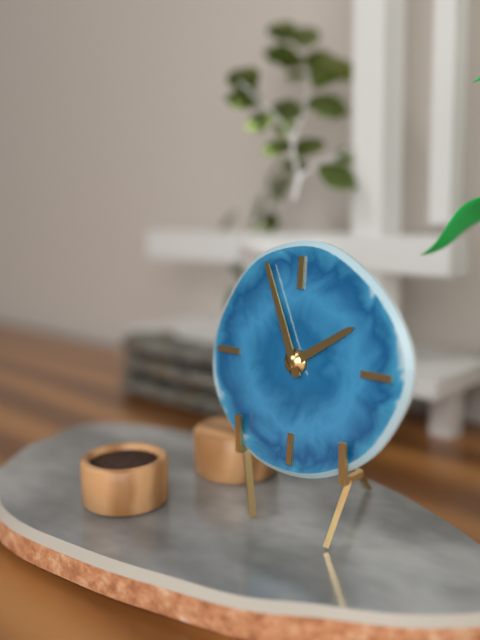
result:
1.56
